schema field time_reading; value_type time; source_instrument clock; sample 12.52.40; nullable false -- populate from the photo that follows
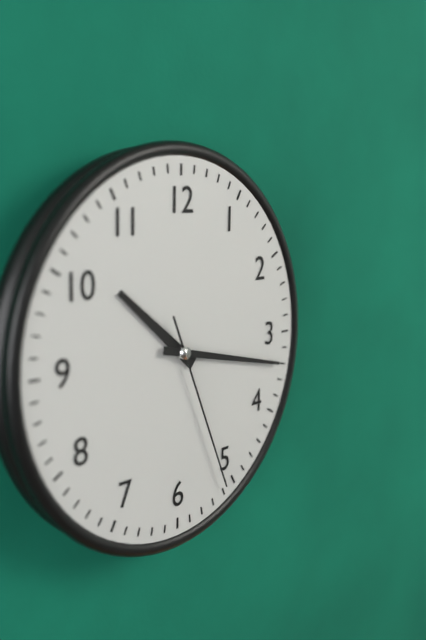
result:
10.17.26
